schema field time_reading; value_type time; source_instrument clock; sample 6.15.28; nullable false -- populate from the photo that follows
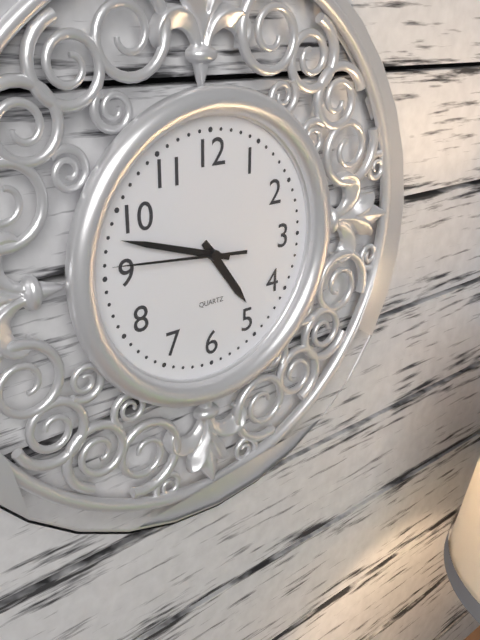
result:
4.48.46
